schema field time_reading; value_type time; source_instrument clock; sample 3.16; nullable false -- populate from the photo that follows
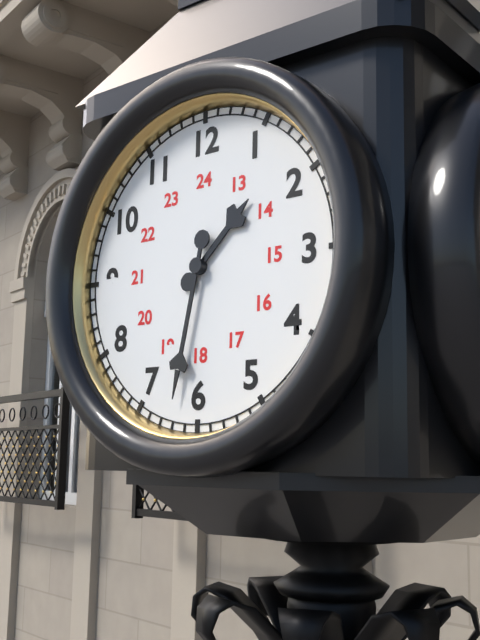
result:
1.32
